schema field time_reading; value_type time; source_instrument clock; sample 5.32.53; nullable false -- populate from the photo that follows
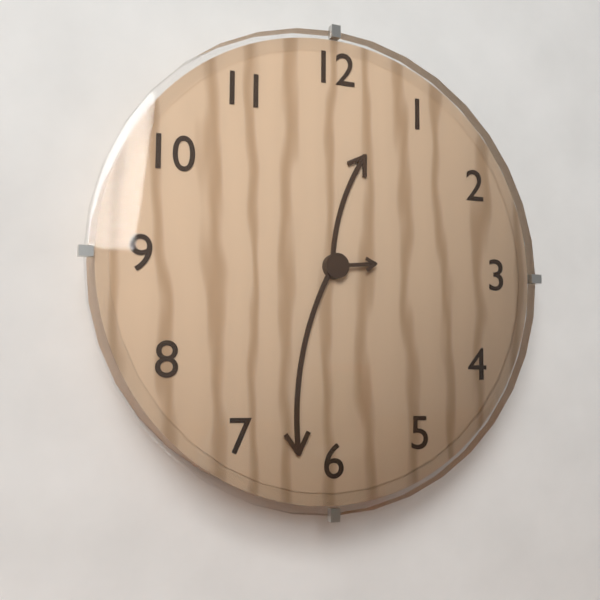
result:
12.32.14
